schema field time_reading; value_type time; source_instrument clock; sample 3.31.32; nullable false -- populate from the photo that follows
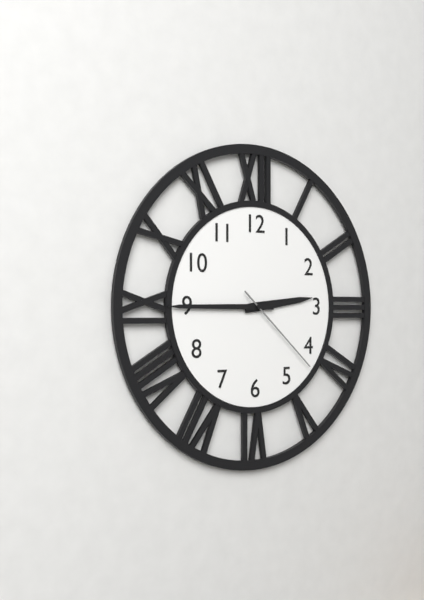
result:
2.45.22
